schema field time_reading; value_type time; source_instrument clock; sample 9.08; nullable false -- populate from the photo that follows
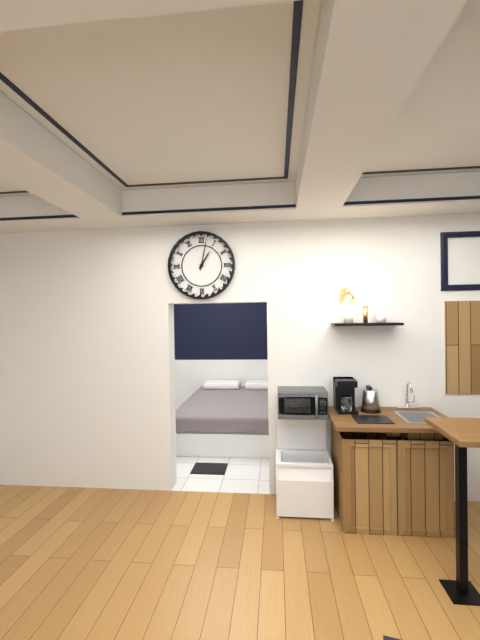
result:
1.02
